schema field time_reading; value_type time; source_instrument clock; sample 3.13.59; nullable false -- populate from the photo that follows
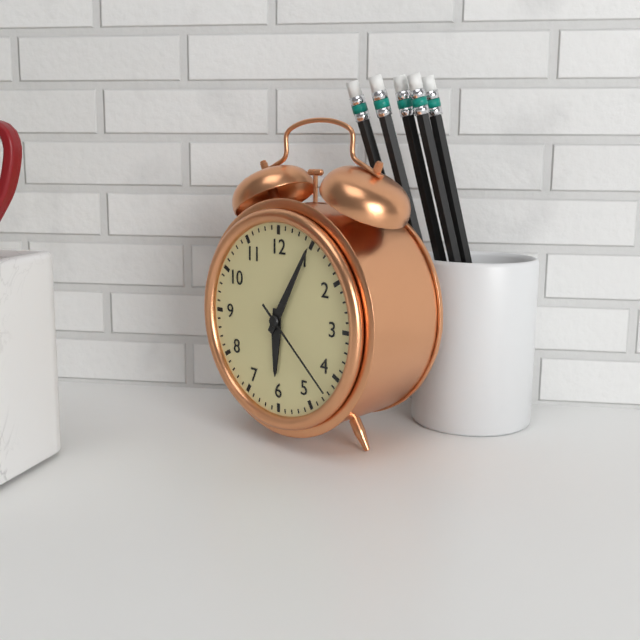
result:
6.05.22
